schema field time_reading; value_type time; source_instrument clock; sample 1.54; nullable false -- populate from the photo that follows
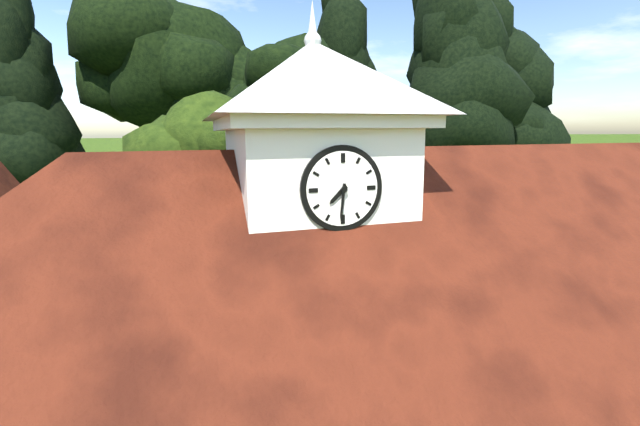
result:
7.31
